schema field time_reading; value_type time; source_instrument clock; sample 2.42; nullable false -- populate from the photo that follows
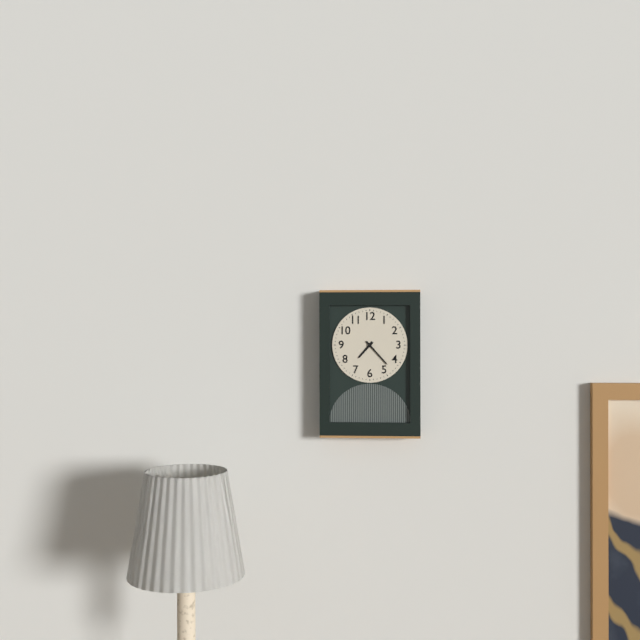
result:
7.23
